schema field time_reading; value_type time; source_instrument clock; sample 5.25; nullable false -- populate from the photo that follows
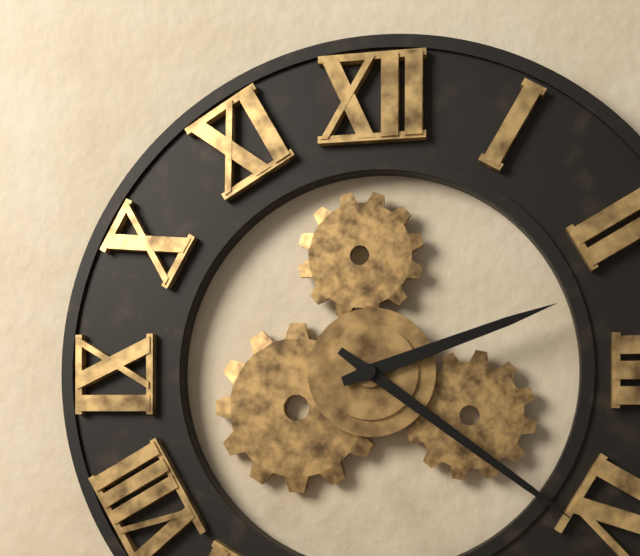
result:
2.21
